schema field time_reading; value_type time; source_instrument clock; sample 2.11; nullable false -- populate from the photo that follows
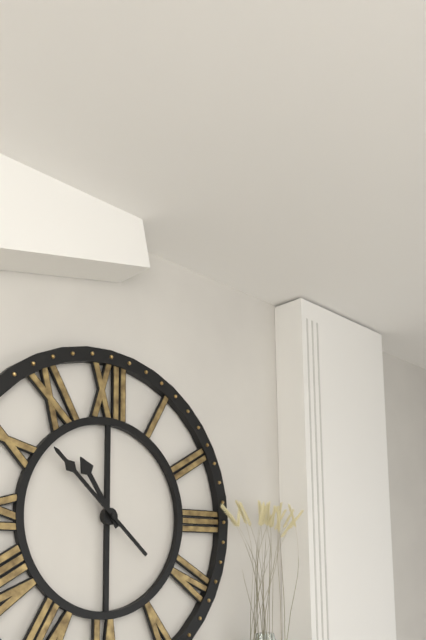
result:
10.52
